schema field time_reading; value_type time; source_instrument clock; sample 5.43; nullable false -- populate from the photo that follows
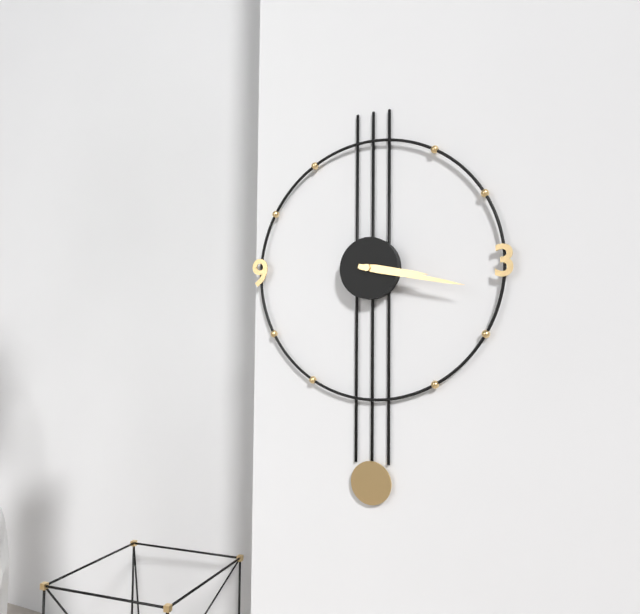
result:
3.17
